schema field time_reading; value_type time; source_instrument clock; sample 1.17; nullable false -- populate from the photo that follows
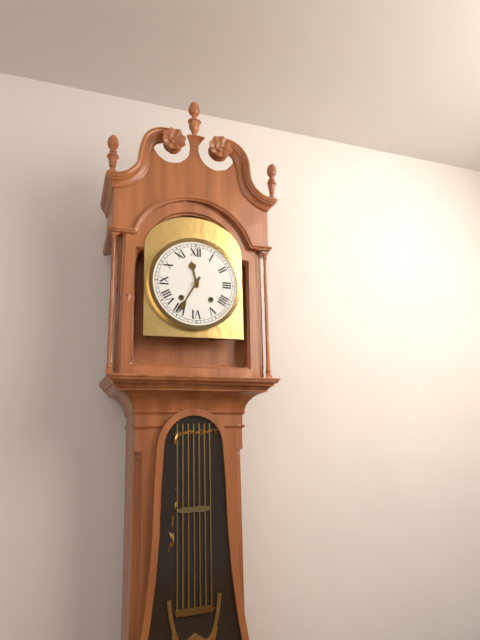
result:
11.35
